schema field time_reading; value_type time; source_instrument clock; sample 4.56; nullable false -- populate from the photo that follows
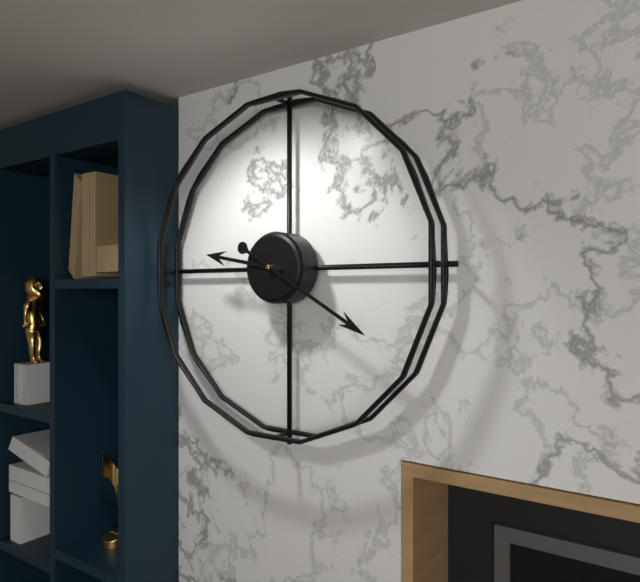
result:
9.20
